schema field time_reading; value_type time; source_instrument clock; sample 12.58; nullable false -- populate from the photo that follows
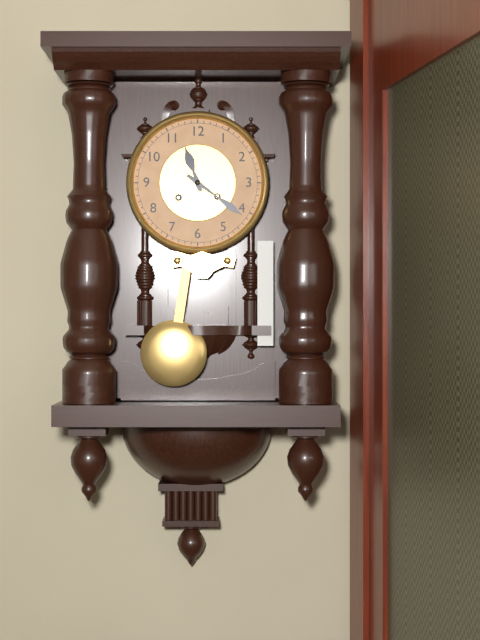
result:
11.21
